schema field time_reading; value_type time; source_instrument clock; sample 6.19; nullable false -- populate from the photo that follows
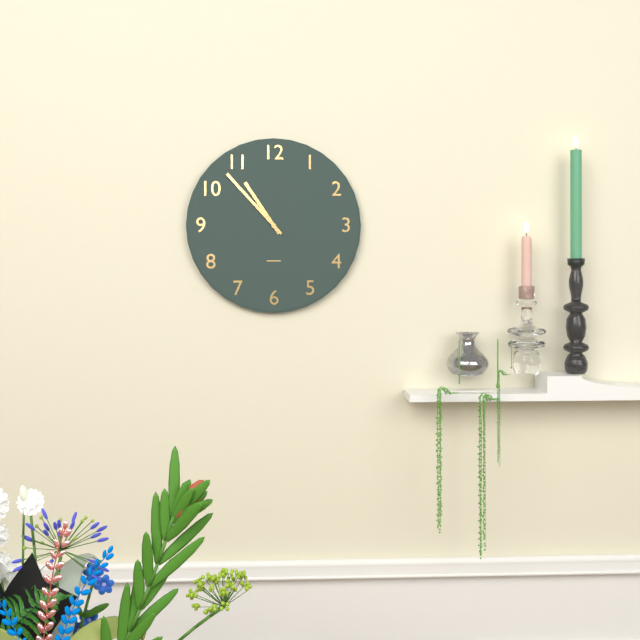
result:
10.53
